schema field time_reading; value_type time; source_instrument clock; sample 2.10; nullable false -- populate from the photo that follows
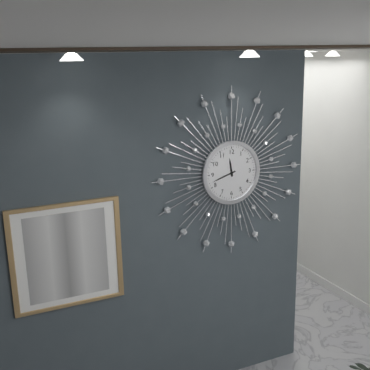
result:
11.42
